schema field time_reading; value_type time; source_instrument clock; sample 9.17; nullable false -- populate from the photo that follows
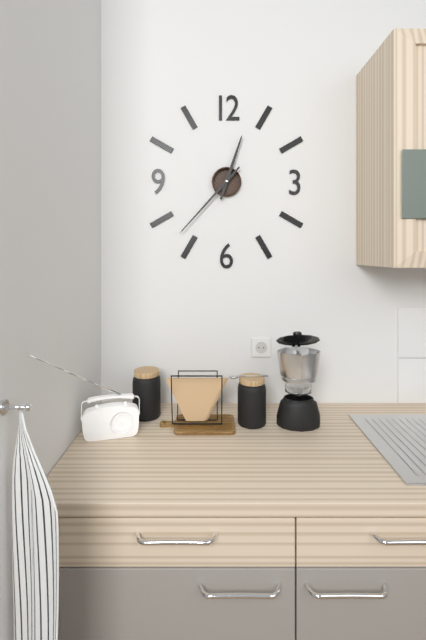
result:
12.37
